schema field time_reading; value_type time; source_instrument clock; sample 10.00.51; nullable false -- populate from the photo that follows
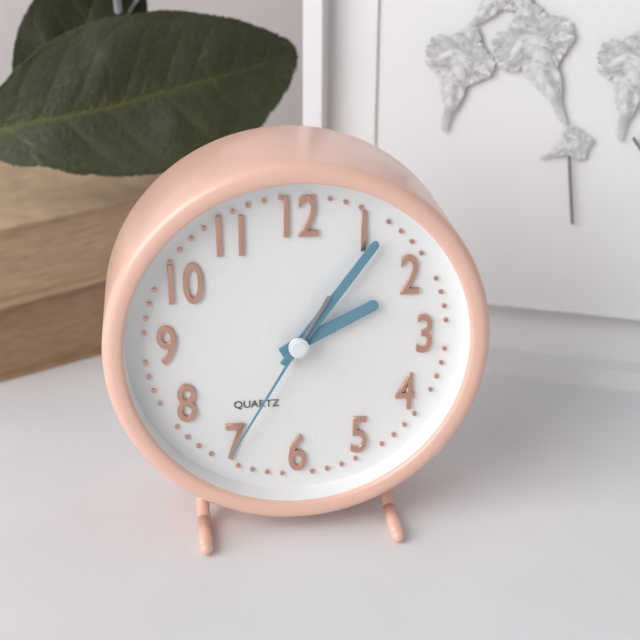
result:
2.06.35
